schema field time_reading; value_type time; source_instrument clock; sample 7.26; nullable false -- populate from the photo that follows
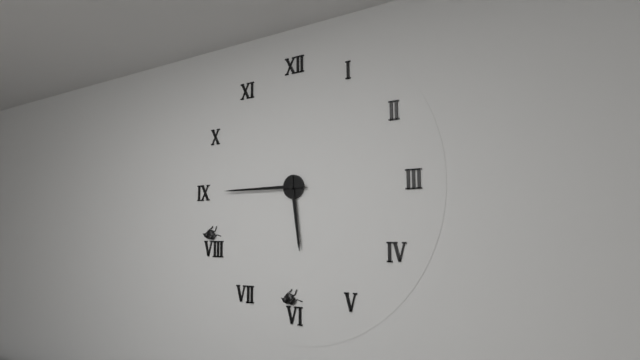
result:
5.45
